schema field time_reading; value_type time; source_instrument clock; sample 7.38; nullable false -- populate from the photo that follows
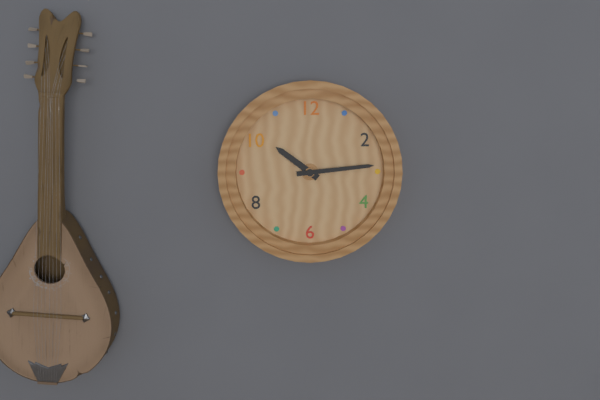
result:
10.14
